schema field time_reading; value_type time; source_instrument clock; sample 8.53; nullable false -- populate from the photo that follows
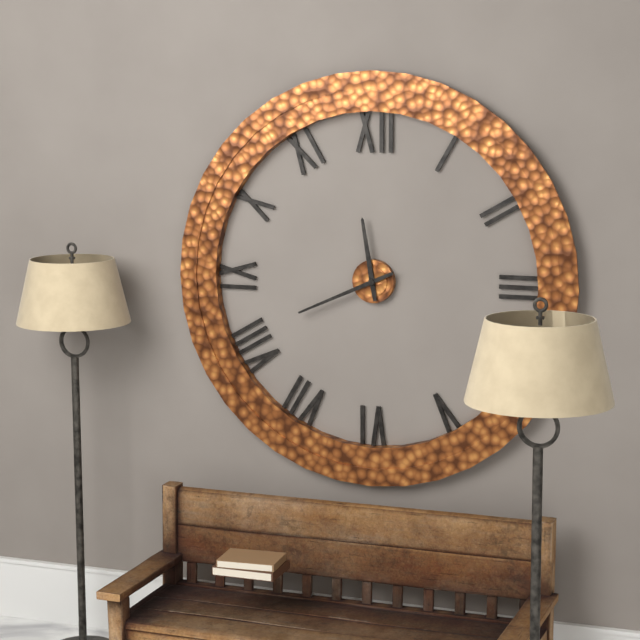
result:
11.41
